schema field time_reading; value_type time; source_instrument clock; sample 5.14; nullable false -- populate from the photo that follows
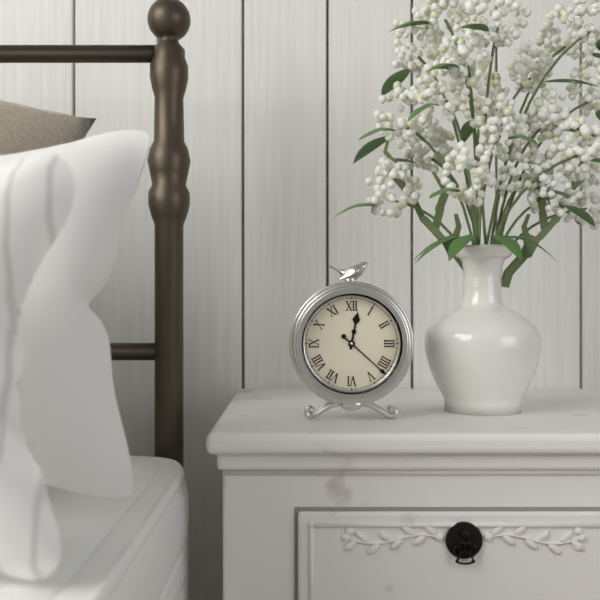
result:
12.22
